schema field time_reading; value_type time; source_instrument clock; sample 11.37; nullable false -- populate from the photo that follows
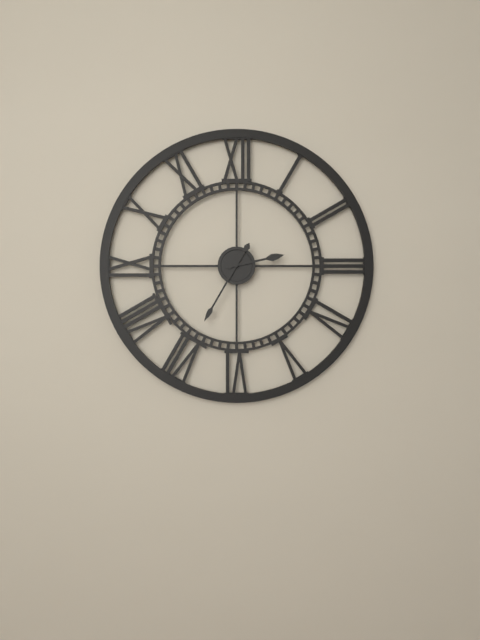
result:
2.35
